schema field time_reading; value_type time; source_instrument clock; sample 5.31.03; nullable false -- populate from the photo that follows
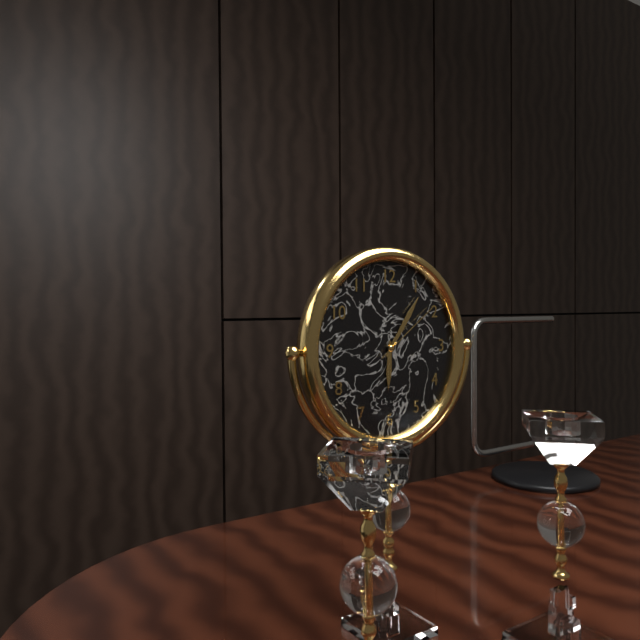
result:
6.06.09
